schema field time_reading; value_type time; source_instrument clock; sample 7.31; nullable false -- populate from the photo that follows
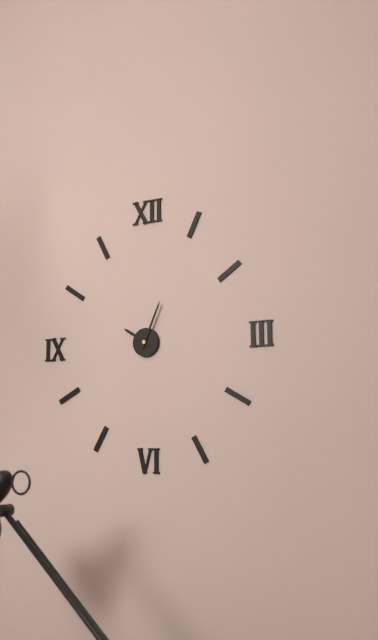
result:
10.04
